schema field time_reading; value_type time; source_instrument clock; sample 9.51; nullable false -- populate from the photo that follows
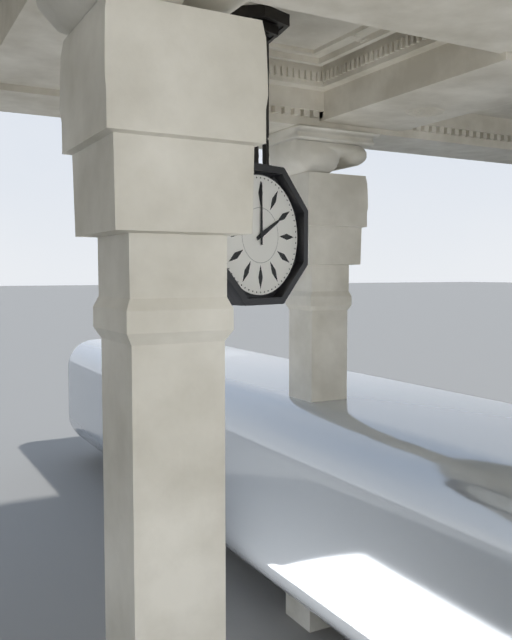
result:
2.00
